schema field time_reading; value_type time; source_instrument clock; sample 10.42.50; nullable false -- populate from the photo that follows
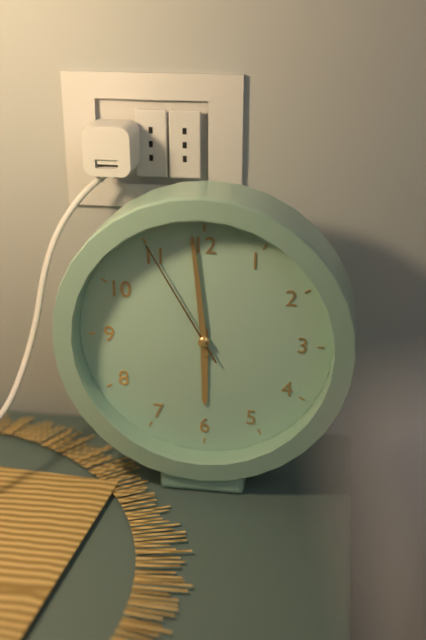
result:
5.59.55
